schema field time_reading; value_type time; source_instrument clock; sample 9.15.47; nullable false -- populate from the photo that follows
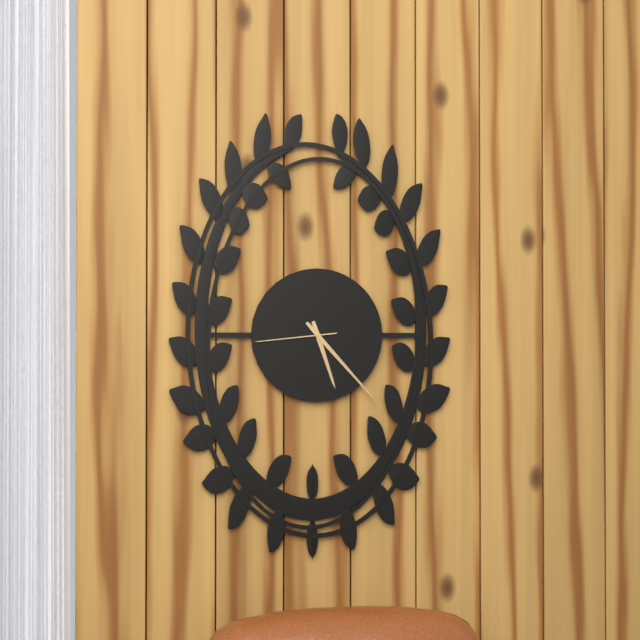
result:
5.23.44
